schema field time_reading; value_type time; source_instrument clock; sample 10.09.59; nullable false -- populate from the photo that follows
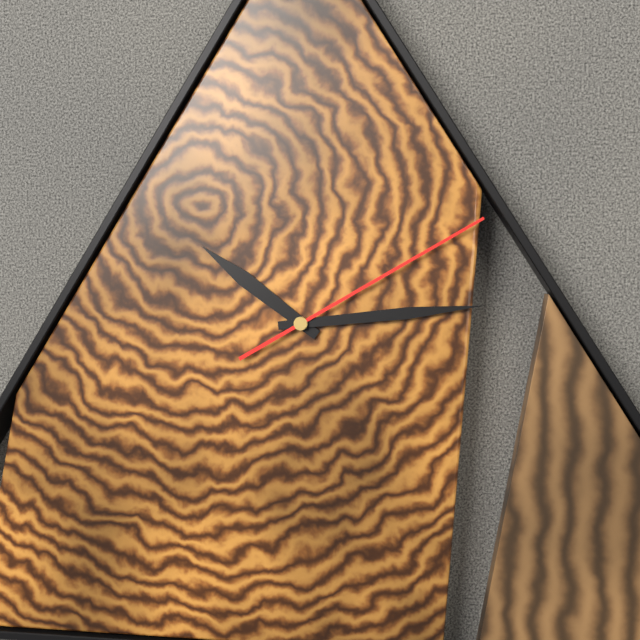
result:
10.14.10
